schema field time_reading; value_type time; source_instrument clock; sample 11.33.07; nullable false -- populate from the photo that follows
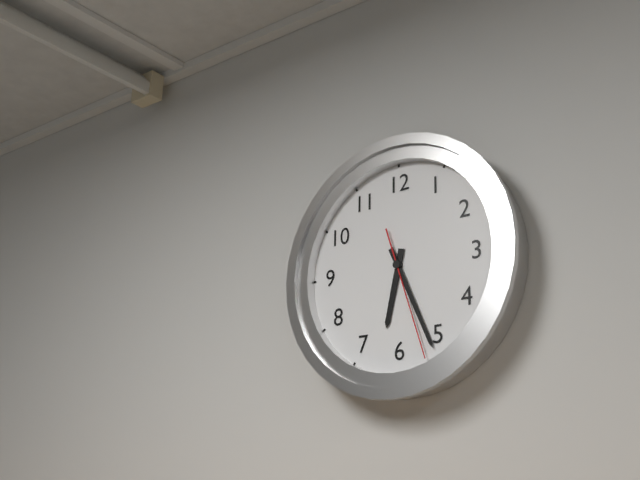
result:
6.26.27
